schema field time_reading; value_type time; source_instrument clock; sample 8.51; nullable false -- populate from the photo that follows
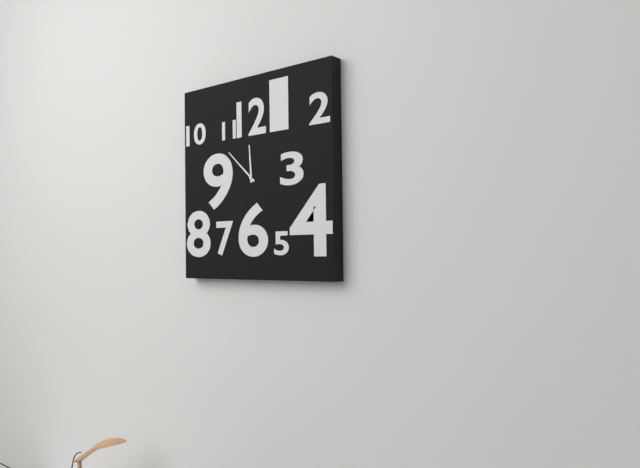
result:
11.52
